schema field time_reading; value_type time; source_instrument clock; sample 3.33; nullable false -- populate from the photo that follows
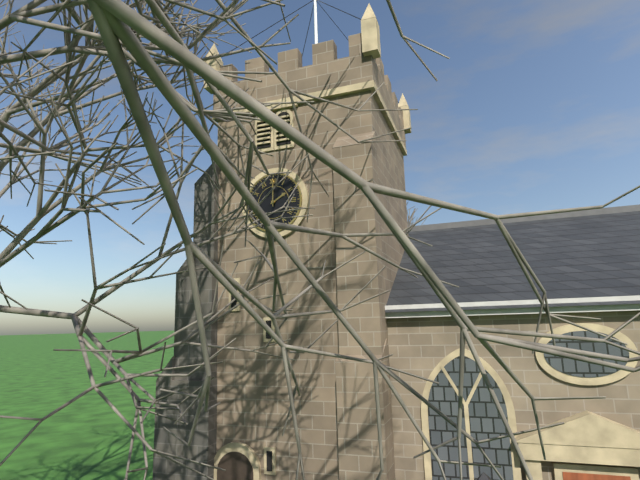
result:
2.00
